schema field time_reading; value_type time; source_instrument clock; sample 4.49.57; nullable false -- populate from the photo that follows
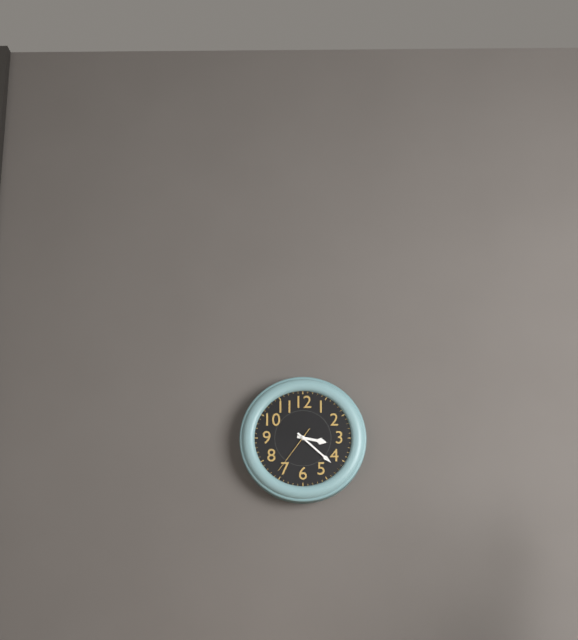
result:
3.22.36
